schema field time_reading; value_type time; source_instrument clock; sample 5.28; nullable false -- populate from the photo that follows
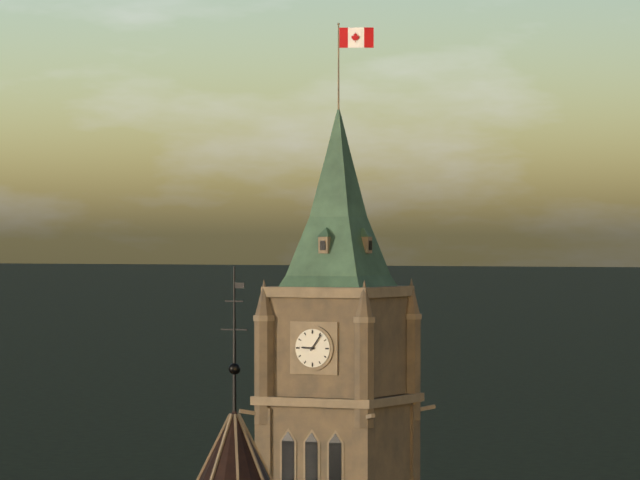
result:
9.06
